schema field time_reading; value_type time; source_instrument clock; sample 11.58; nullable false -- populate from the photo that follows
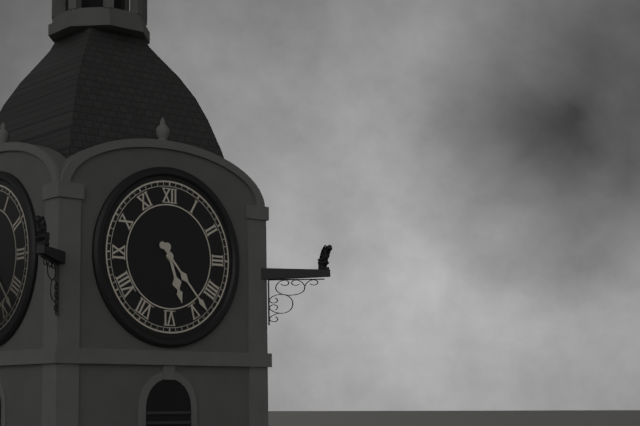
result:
5.23
